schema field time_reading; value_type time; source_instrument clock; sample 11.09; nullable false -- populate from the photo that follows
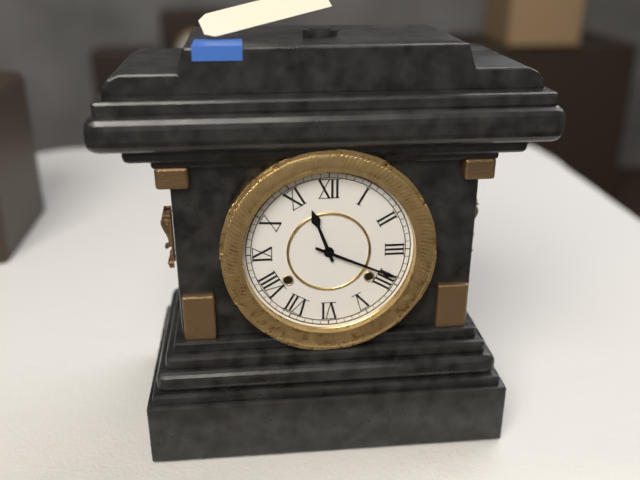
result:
11.19
